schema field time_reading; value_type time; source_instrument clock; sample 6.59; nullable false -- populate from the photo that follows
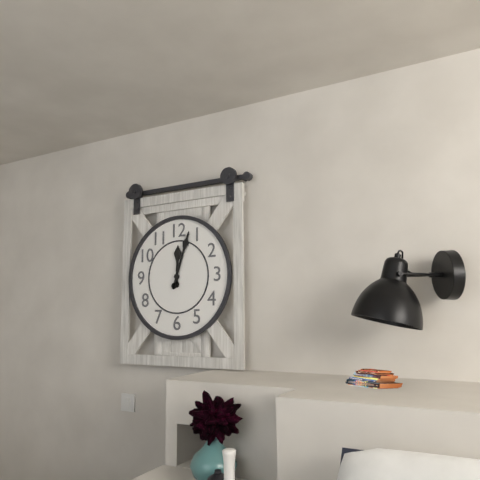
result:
12.03
